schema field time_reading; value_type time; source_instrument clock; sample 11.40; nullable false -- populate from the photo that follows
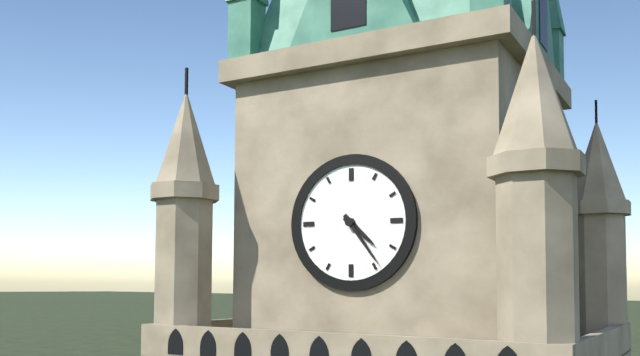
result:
4.24
